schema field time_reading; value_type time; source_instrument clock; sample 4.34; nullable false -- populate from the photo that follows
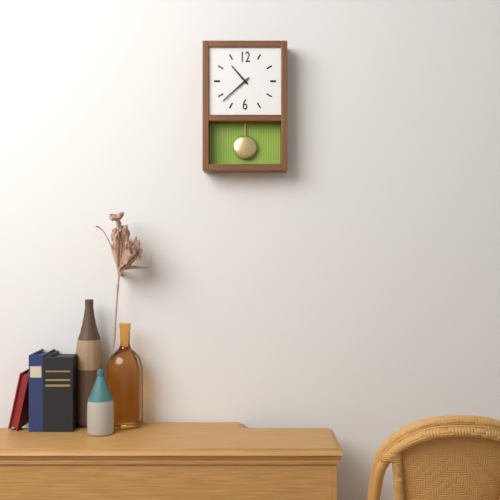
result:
10.38
